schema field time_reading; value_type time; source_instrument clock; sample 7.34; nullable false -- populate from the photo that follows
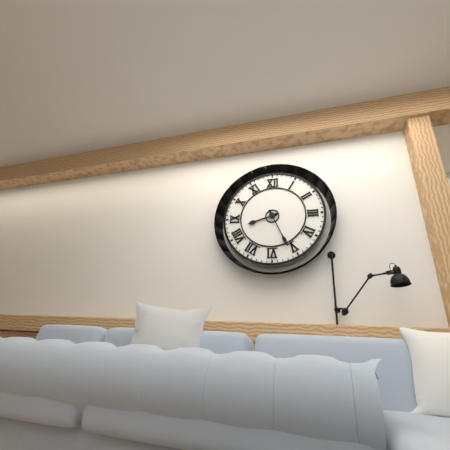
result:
8.26
